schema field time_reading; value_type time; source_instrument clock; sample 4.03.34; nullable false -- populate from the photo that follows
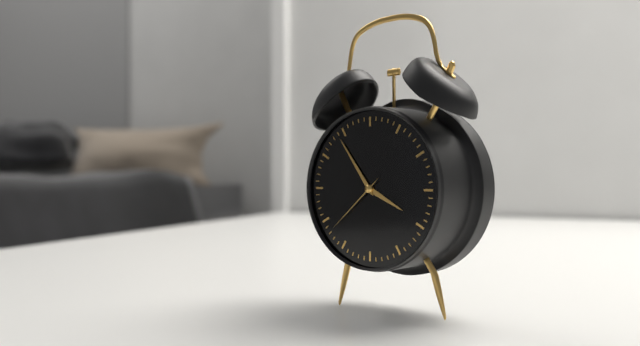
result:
3.54.38
